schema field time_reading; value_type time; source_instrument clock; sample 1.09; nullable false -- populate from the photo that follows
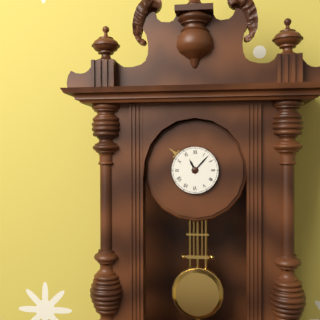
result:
11.07
